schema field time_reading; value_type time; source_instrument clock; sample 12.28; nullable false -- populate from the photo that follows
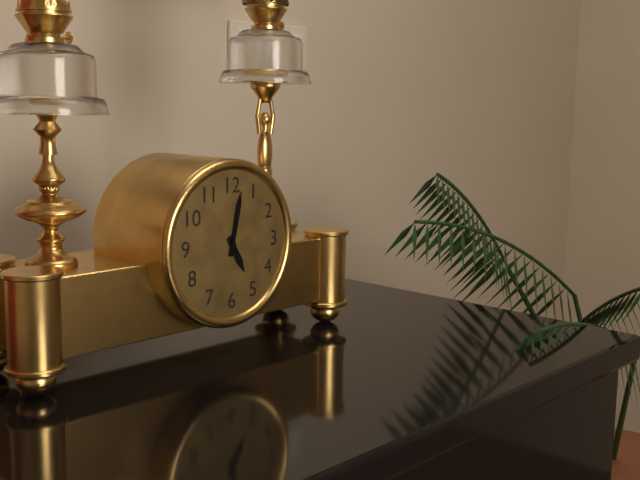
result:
5.02
